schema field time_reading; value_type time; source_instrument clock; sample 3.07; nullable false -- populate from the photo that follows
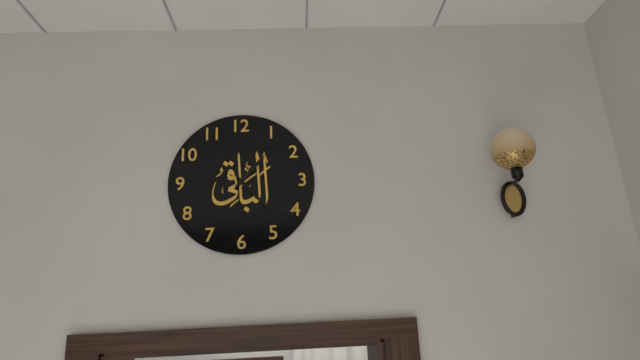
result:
1.23
